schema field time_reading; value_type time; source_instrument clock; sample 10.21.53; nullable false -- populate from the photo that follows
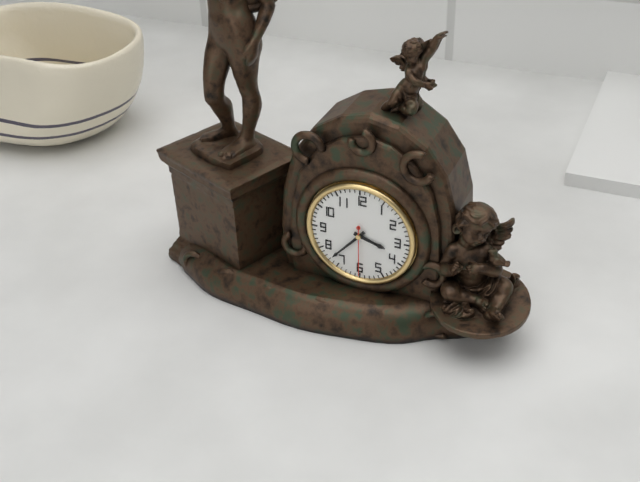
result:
3.37.30
